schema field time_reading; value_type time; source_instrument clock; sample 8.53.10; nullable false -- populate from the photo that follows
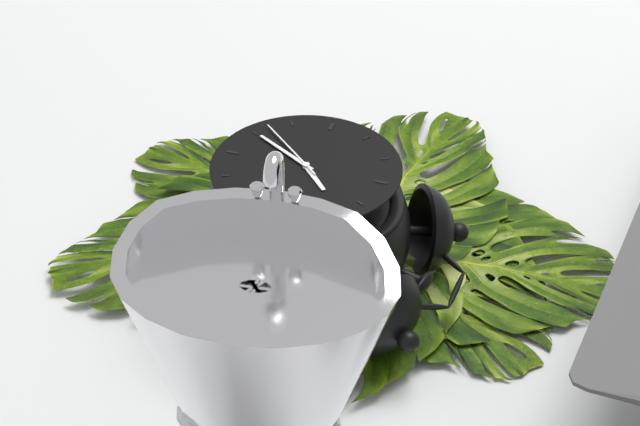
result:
1.35.37
